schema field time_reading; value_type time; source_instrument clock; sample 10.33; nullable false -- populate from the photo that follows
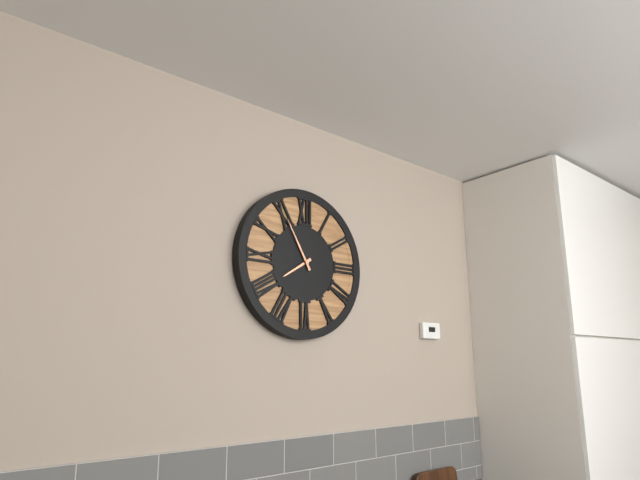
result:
7.55
